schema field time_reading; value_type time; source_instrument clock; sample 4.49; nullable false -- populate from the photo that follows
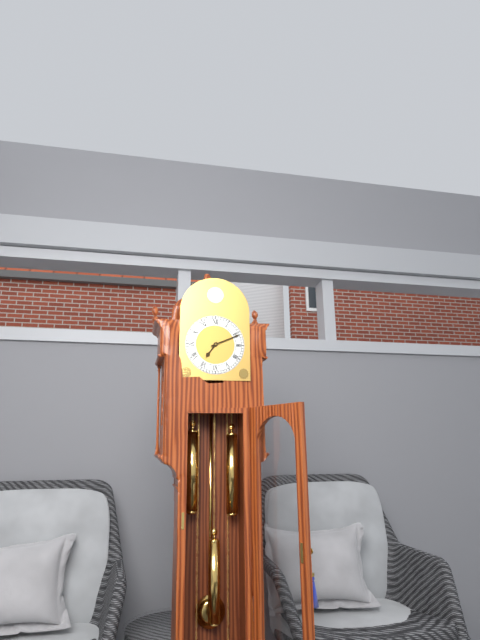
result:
7.11
